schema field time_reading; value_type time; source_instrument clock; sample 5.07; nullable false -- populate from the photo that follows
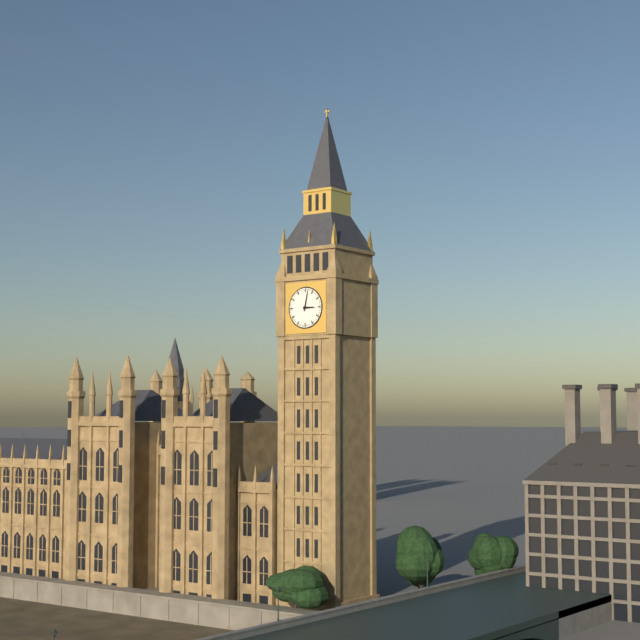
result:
3.02
